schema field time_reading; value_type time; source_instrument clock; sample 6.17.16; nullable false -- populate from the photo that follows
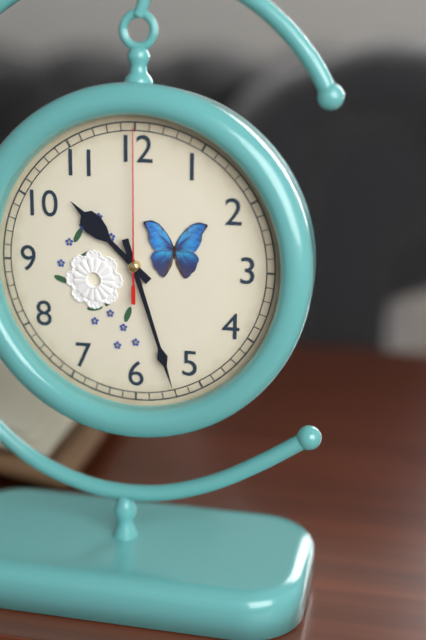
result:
10.27.00
